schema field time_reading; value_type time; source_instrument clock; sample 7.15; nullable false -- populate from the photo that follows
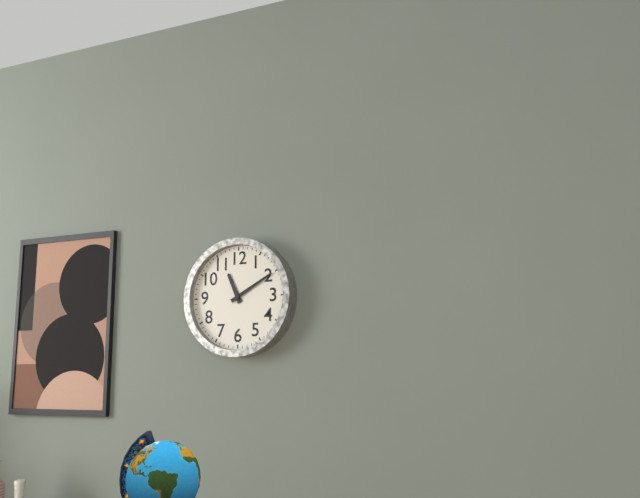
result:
11.10
